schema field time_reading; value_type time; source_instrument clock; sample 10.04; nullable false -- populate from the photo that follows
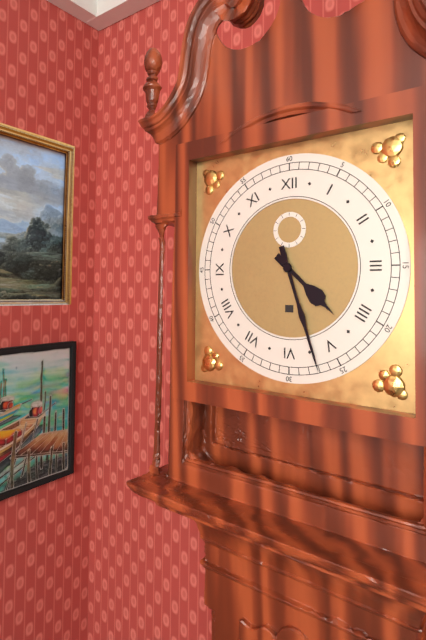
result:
4.27
